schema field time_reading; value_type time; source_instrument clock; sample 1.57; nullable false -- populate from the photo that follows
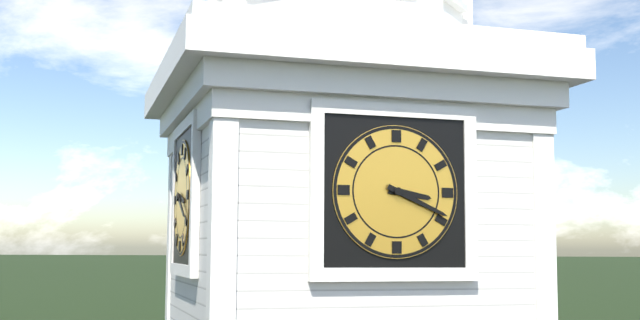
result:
3.19
